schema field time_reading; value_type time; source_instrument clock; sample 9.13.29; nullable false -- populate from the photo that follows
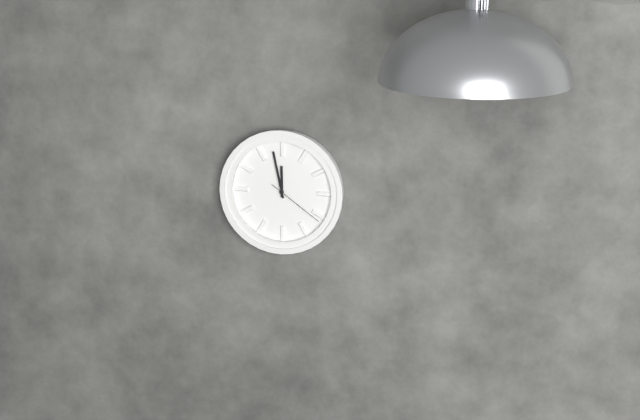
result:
11.58.21
